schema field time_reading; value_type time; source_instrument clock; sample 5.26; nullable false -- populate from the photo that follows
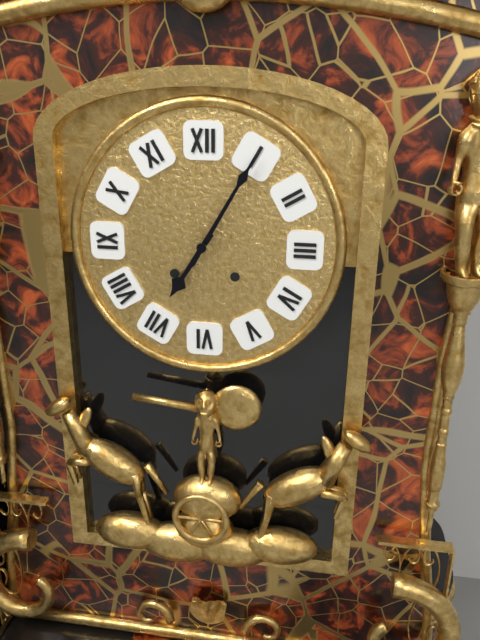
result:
7.05
